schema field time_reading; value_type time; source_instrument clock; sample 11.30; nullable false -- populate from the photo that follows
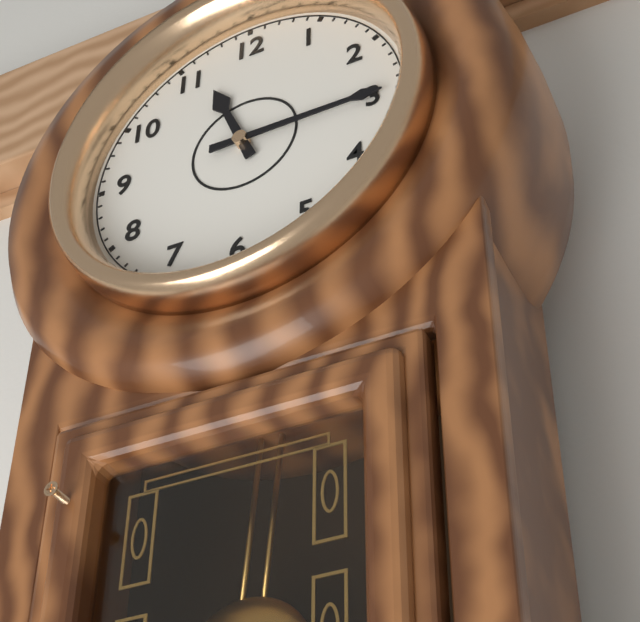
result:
11.15
